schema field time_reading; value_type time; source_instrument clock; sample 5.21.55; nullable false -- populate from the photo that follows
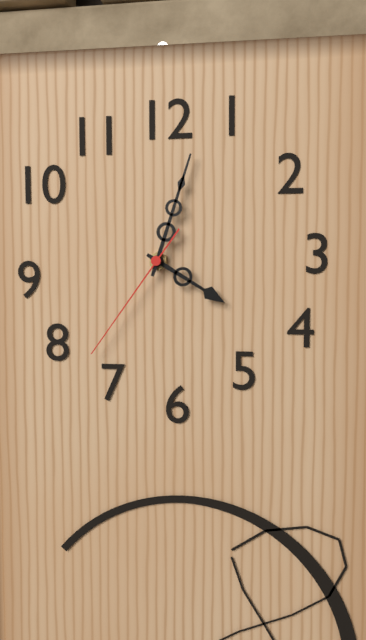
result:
4.03.36
